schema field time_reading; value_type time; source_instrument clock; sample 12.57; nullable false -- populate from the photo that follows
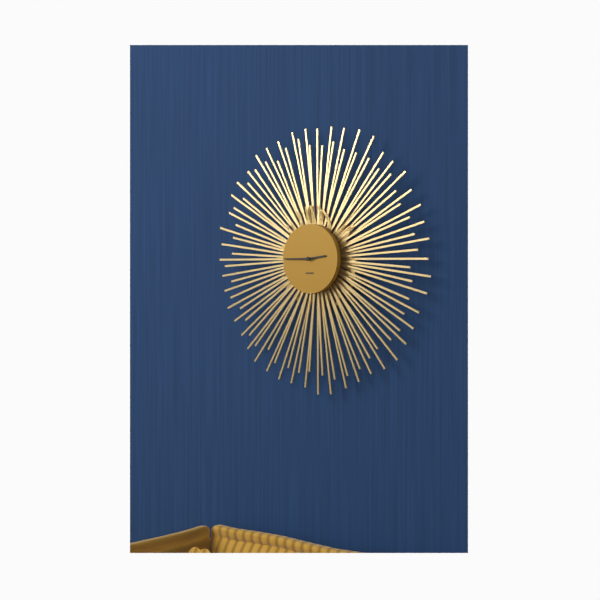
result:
2.45
